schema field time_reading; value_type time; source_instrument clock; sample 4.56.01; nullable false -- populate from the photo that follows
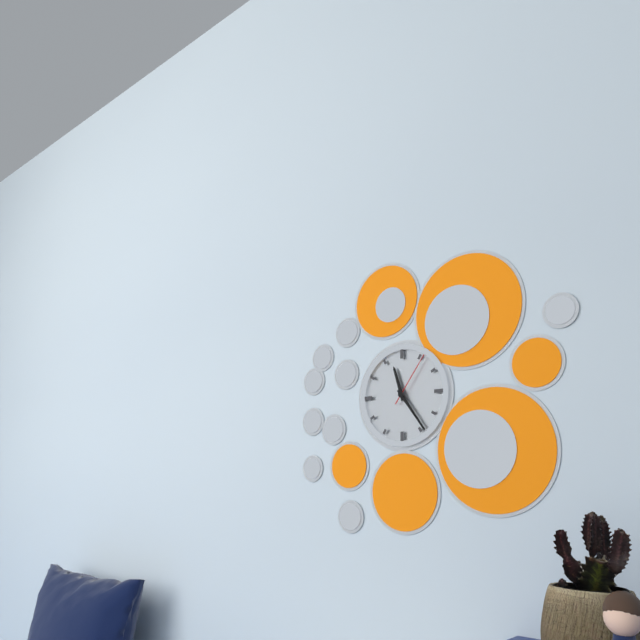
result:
11.24.06
